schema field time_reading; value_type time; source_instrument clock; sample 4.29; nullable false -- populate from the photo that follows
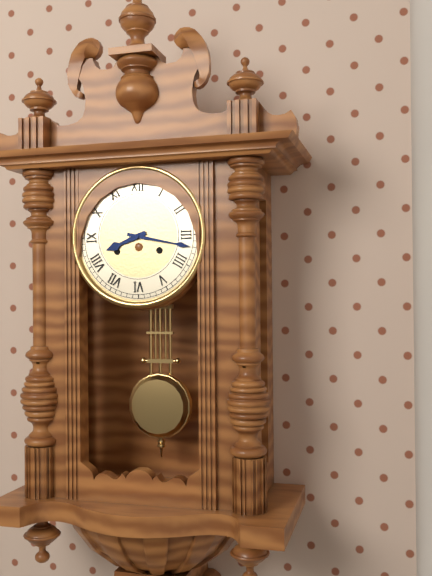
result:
8.17
